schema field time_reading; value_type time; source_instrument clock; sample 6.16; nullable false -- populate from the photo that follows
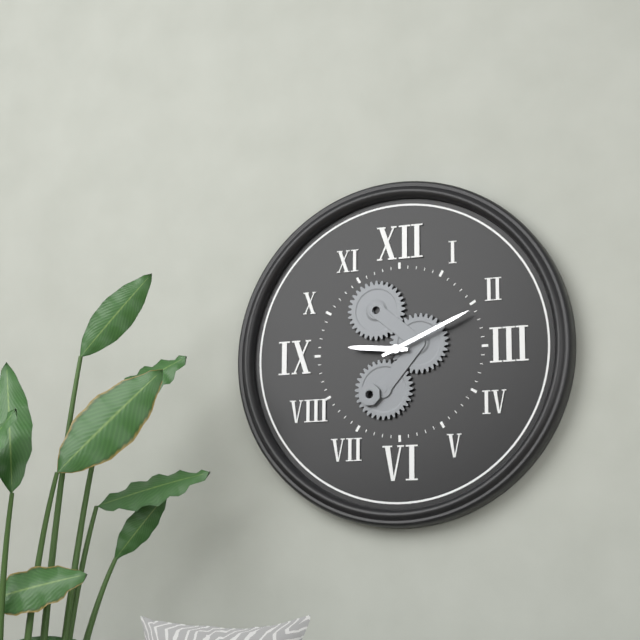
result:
9.11
